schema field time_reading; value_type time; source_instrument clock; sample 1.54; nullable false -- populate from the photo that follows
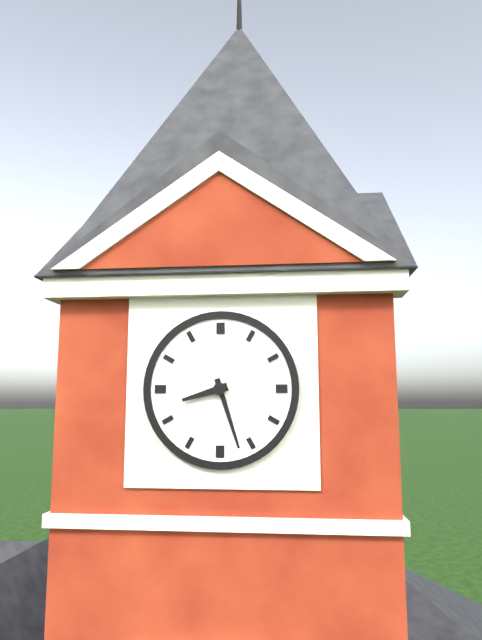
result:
8.27
